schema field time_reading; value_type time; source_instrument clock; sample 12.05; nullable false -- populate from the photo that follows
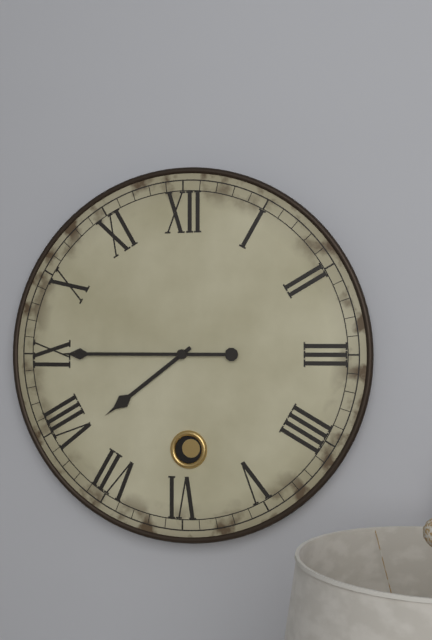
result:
7.45
